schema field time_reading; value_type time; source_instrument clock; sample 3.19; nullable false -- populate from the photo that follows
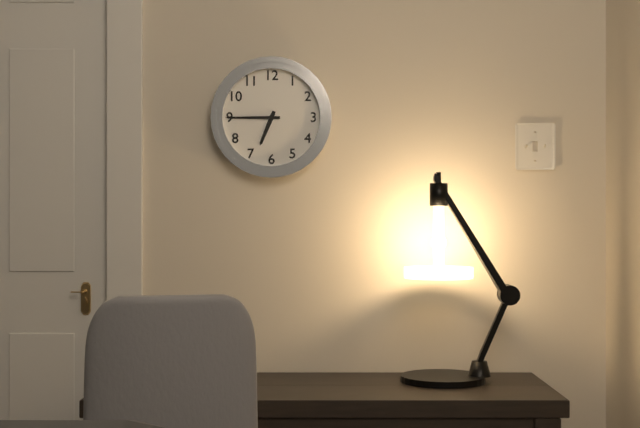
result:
6.45
